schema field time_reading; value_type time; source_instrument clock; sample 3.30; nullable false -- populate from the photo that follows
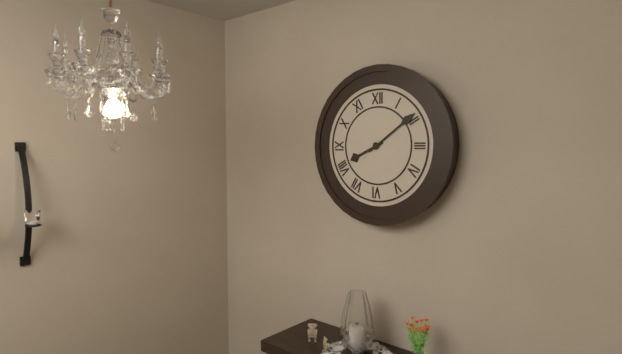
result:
8.09
